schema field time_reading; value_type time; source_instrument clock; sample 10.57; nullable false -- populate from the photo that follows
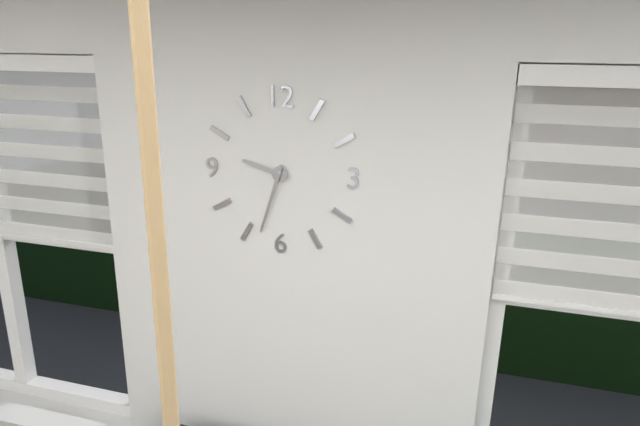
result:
9.33
